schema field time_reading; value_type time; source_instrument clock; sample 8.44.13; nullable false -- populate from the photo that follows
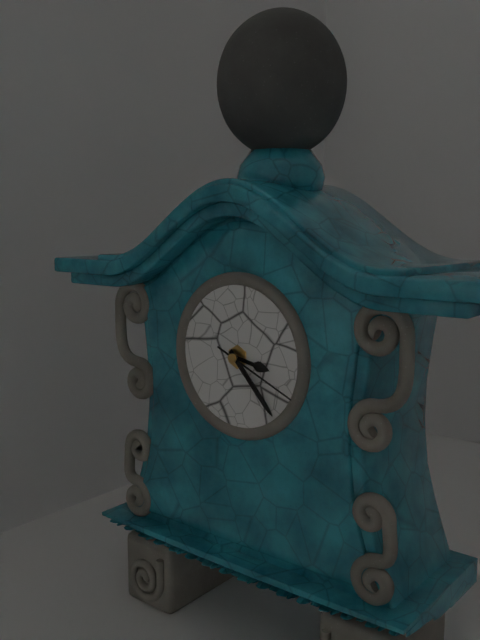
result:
3.23.19
